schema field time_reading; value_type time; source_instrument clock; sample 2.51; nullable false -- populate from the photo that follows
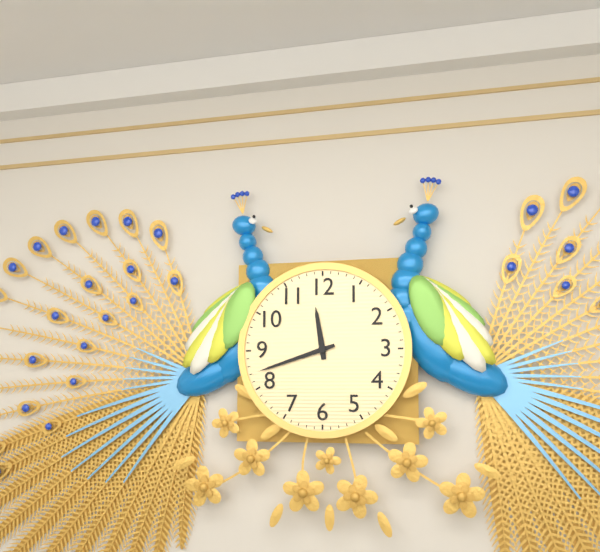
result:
11.42
